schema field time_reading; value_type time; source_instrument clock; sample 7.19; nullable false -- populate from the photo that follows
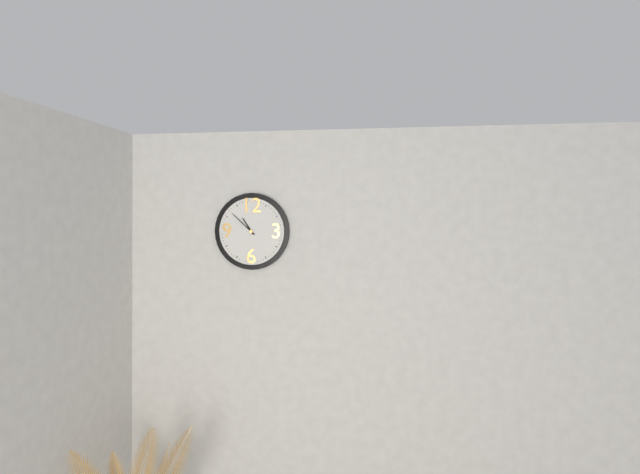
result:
10.52
